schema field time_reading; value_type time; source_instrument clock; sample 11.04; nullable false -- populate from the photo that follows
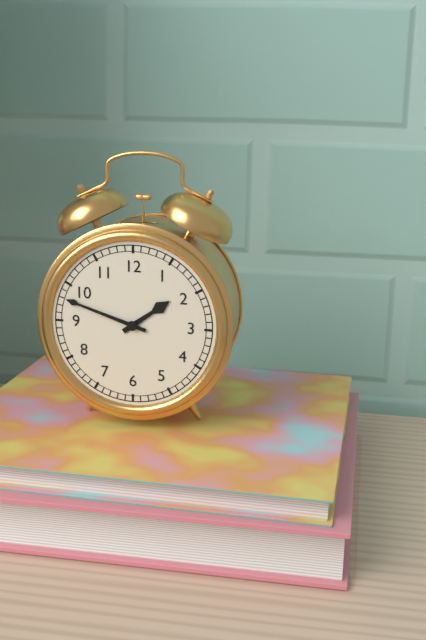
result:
1.48
